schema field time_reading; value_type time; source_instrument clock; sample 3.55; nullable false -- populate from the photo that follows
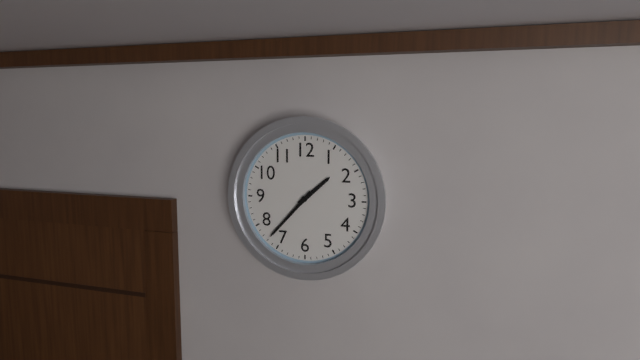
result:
1.37
